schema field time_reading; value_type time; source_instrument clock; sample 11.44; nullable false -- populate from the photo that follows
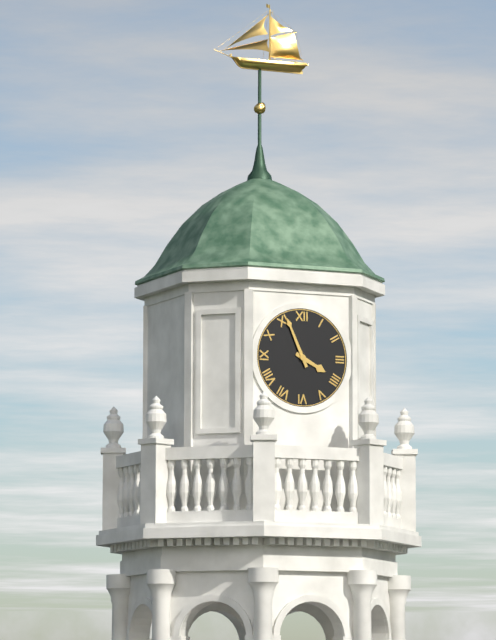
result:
3.56
